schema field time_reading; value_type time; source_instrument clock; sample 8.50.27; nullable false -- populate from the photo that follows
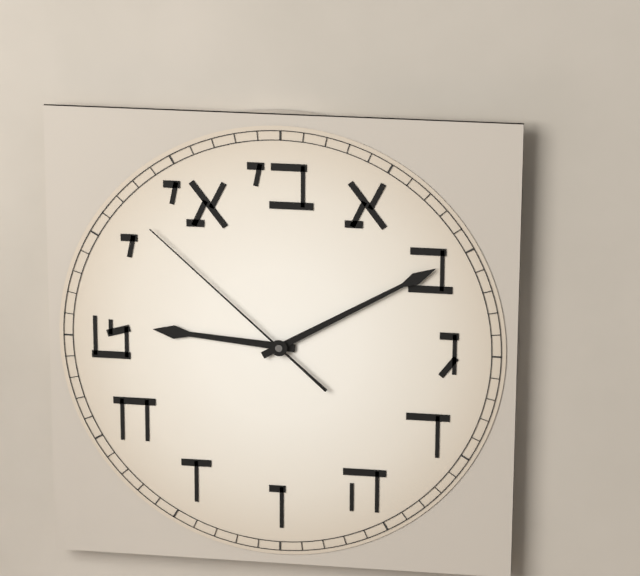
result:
9.10.52
